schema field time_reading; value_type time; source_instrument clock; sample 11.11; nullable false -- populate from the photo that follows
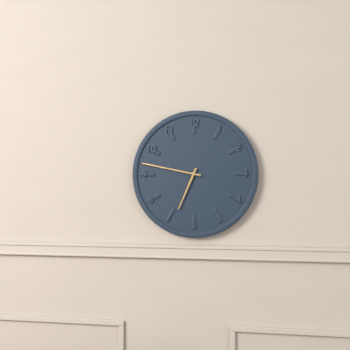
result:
6.47
